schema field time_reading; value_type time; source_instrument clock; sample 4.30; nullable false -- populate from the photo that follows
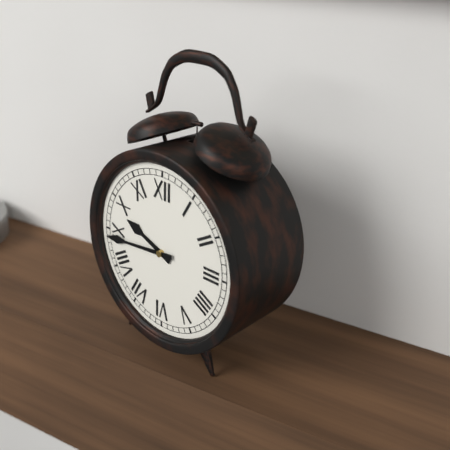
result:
9.44
